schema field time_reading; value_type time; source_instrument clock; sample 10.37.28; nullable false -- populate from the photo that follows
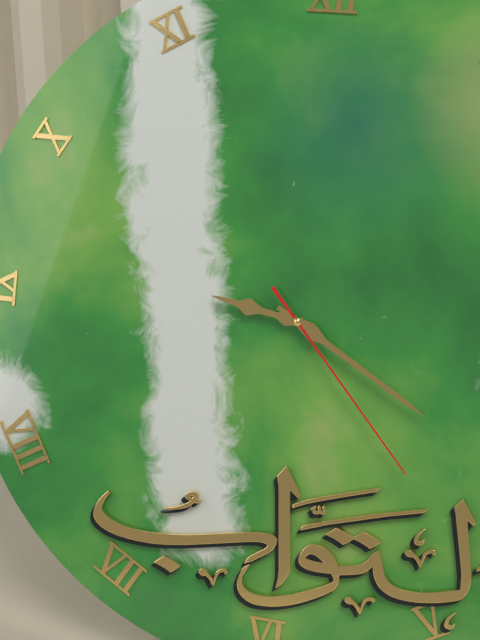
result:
9.20.23
